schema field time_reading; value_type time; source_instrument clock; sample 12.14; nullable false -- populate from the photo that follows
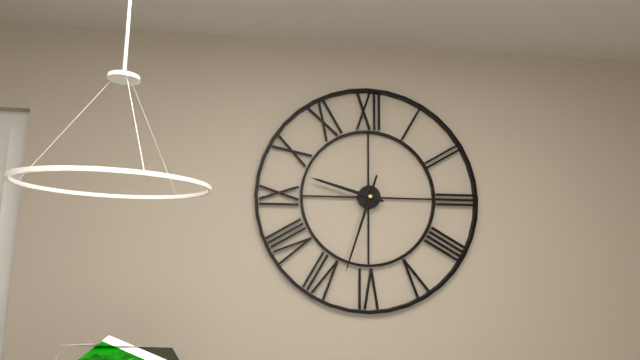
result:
9.33
